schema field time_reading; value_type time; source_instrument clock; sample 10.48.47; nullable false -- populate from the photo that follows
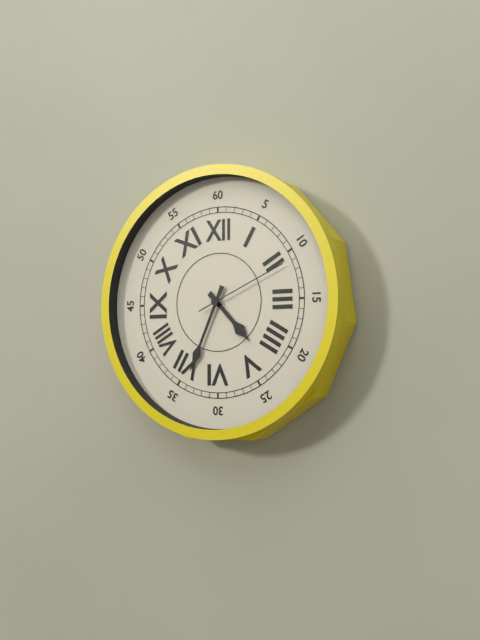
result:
4.34.11
